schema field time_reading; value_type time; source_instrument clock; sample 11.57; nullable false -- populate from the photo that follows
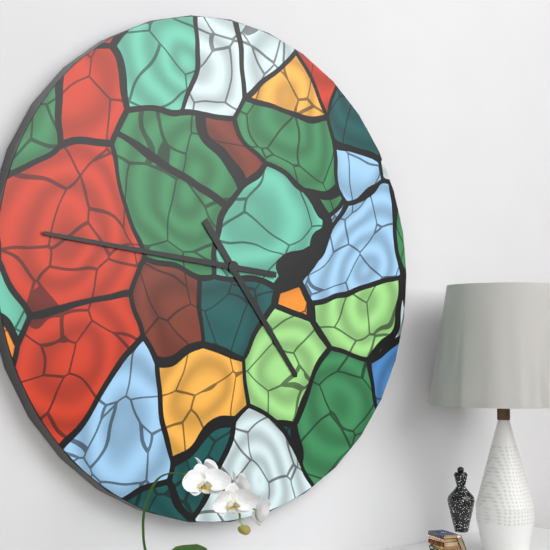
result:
4.46
